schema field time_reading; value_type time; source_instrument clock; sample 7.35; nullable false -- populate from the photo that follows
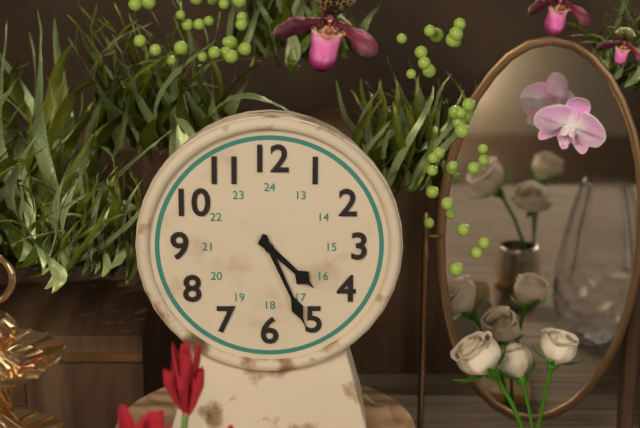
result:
4.26
